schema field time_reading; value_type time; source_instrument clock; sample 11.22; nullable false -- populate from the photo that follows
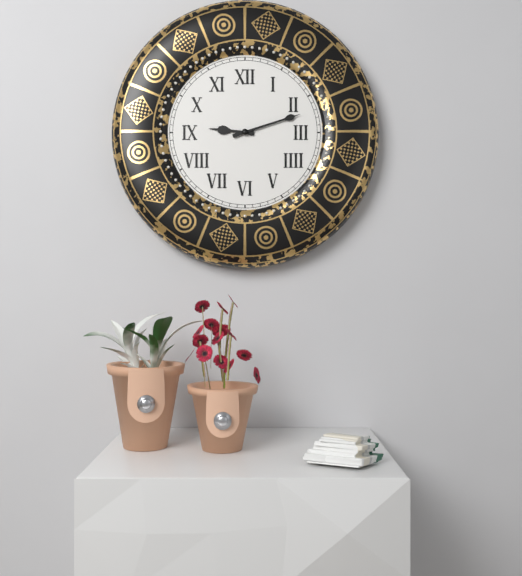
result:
9.12
